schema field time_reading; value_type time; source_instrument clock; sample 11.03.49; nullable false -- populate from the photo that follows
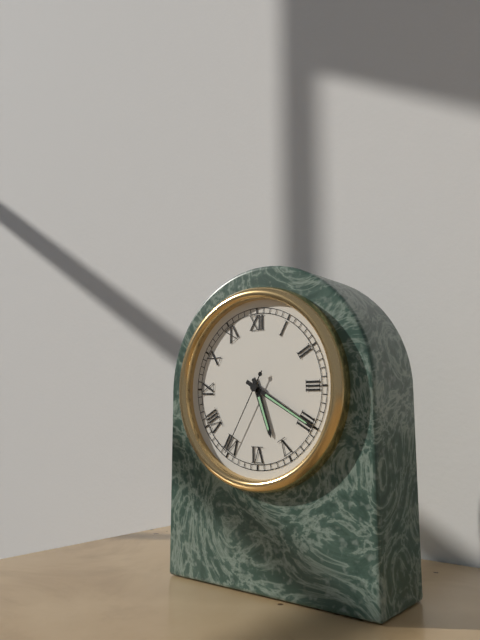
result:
5.20.35
